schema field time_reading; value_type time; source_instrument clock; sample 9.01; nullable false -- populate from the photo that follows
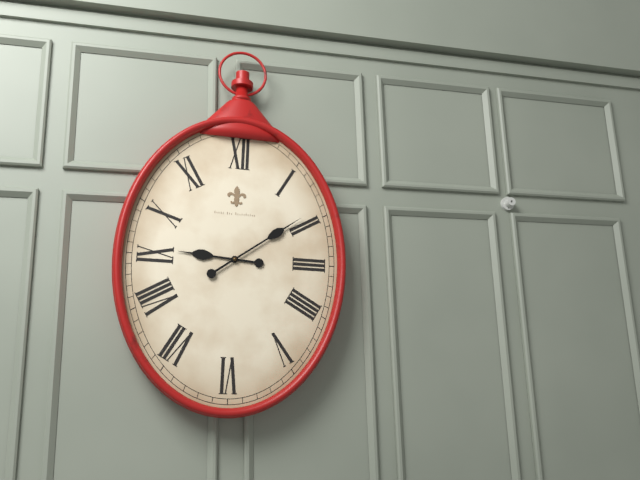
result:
9.09
